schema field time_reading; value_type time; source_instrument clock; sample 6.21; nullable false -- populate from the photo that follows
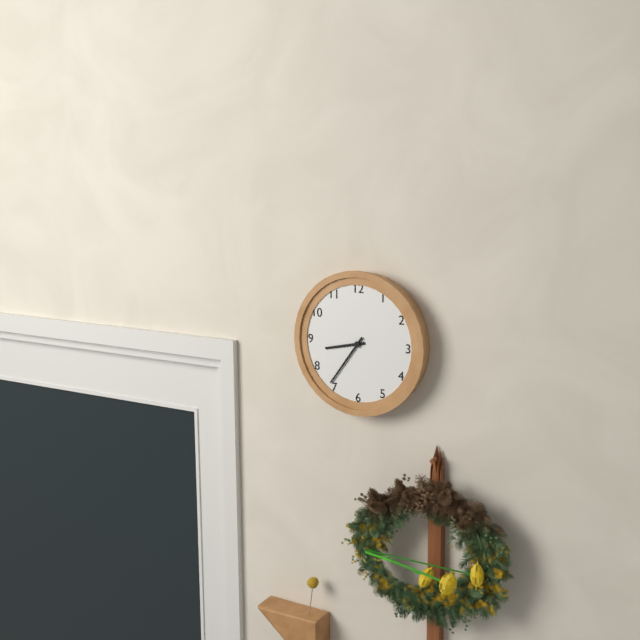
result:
8.36
